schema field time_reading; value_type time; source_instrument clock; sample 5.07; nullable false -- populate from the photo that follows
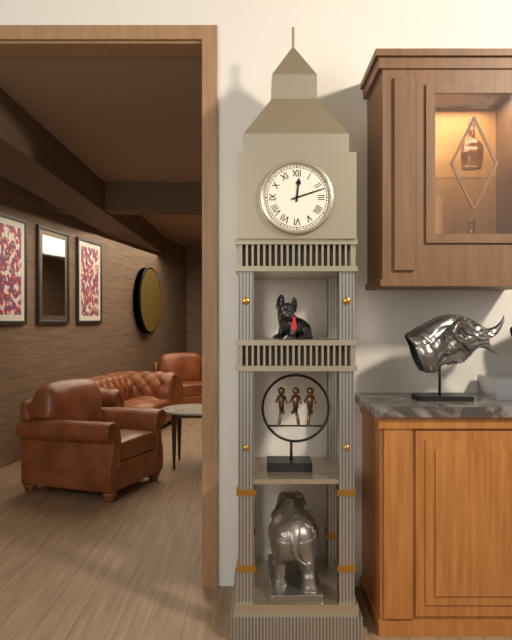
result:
12.12
